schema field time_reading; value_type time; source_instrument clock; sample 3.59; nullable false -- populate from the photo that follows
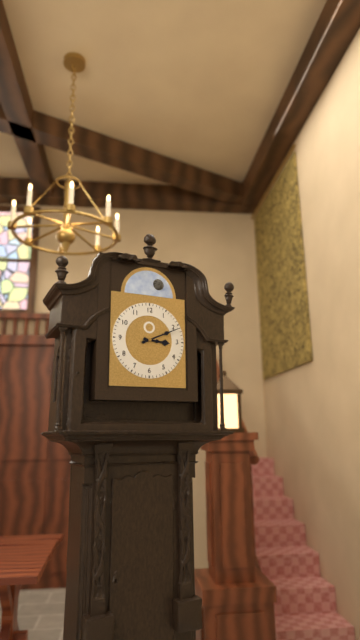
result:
3.11
